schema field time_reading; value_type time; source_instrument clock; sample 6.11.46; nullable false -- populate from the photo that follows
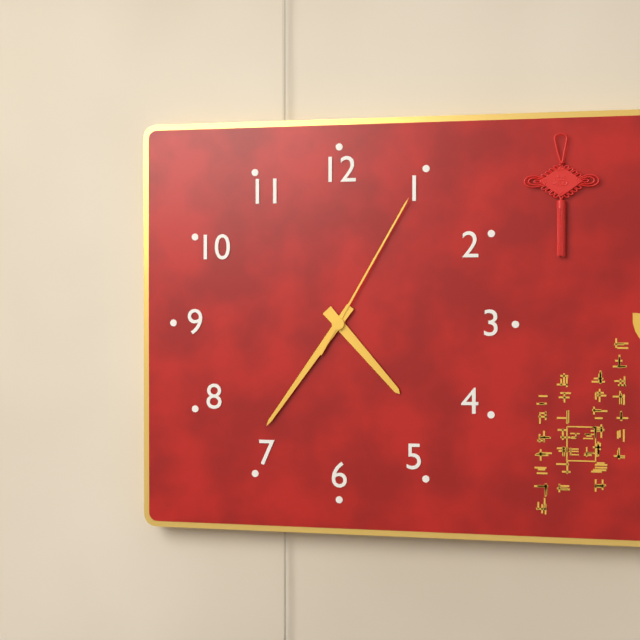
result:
4.36.05
